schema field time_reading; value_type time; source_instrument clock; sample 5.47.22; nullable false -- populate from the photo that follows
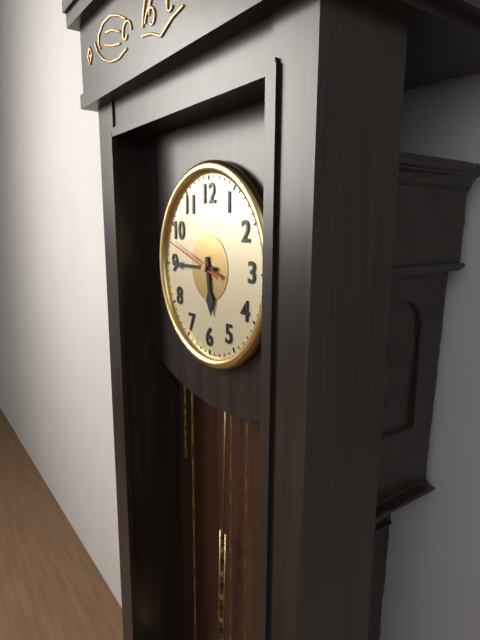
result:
5.45.48
